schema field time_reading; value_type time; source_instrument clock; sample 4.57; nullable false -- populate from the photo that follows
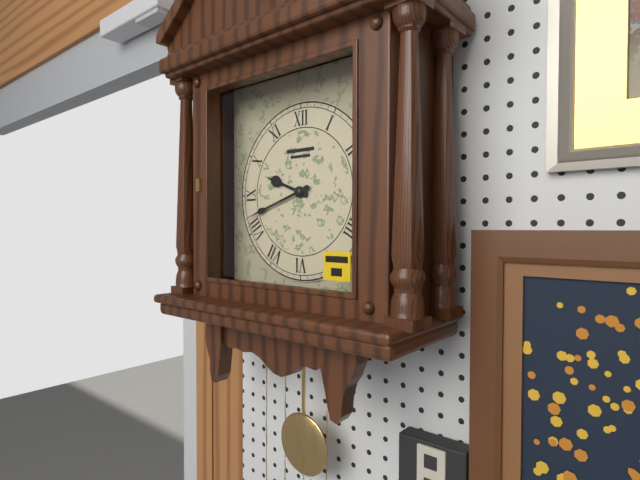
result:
9.42
